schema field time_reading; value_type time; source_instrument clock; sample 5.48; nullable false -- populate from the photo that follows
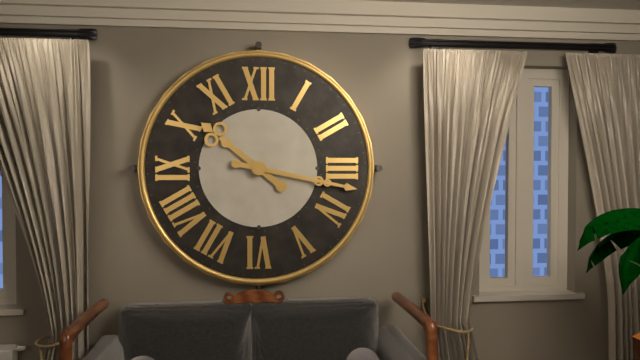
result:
10.17
